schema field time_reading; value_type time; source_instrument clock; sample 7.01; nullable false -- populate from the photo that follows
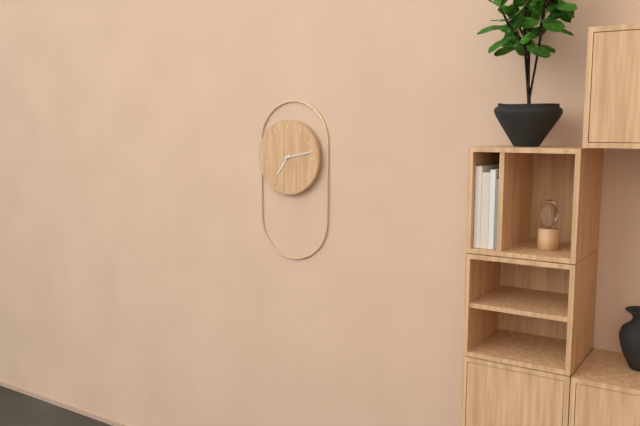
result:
7.13
